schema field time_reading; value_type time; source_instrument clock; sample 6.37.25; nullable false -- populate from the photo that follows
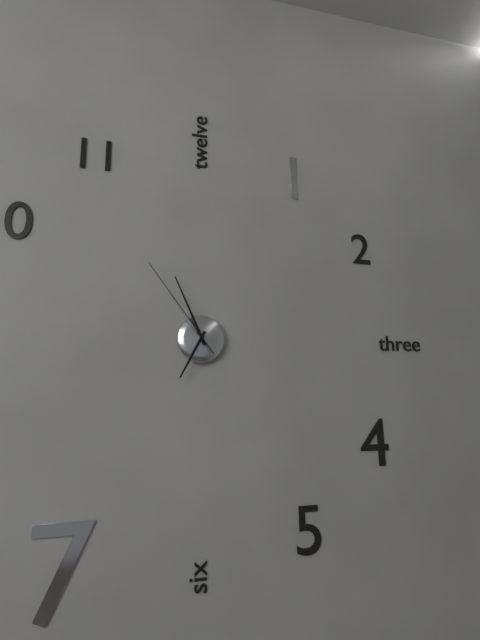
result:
6.56.54
